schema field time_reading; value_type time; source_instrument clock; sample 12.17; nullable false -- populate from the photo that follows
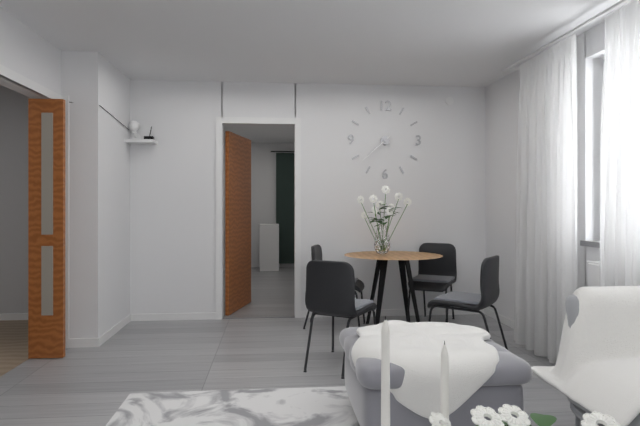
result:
7.38
